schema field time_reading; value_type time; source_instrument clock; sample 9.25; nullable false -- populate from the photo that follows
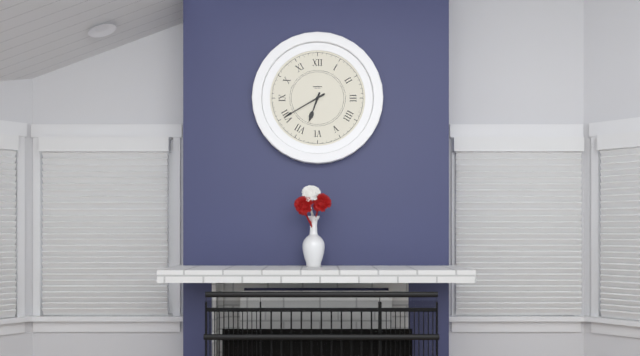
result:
6.40
